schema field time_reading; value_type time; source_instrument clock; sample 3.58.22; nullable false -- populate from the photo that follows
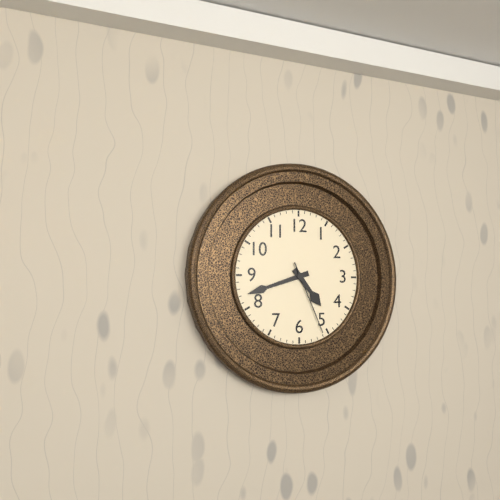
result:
4.42.26
